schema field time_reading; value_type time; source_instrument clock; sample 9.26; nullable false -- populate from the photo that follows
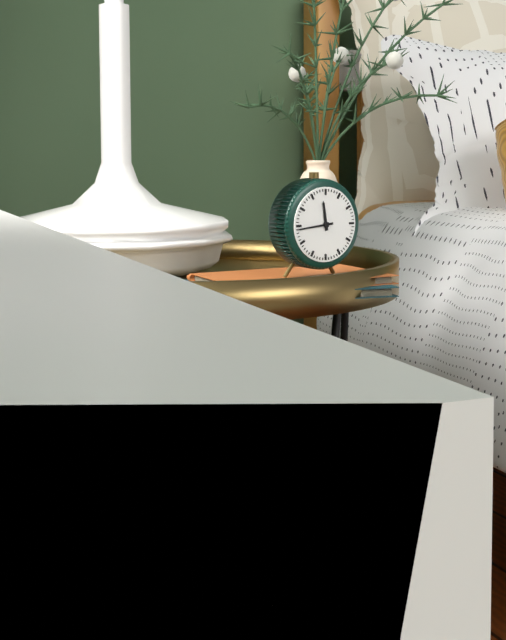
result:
11.44
